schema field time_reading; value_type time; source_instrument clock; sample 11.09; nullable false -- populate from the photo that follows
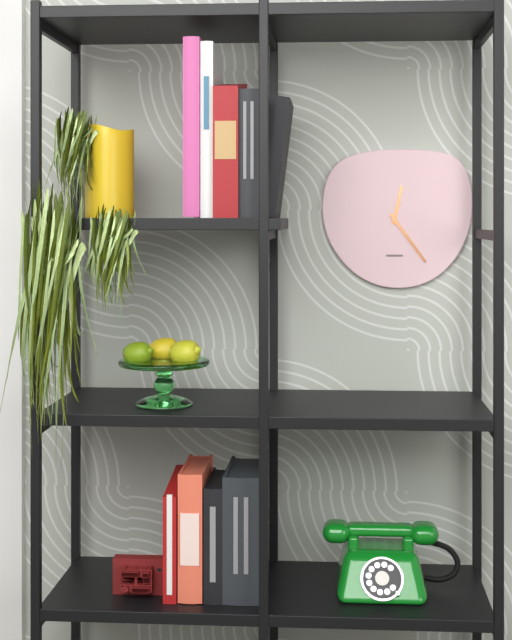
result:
12.24
